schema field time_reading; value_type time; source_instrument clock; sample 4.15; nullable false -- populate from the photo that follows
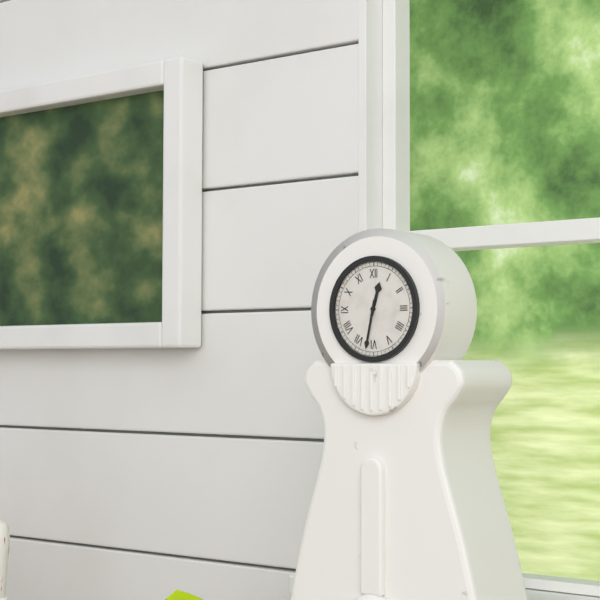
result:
12.32
